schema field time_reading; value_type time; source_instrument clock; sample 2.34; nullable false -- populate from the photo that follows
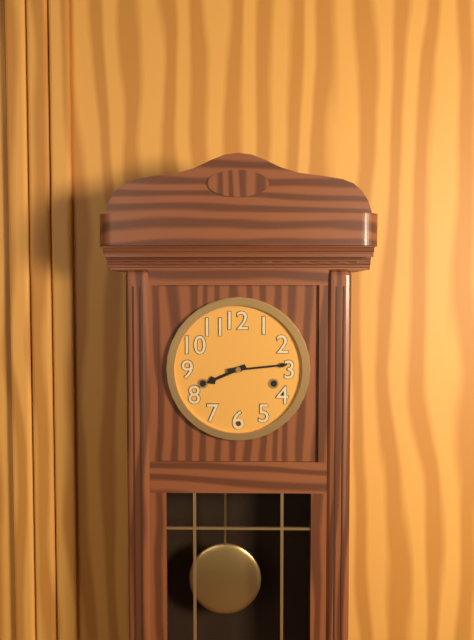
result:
8.14
